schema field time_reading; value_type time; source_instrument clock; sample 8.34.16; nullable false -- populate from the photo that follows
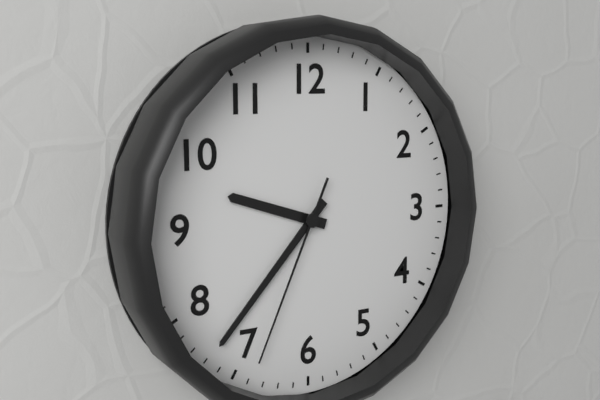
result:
9.37.34
